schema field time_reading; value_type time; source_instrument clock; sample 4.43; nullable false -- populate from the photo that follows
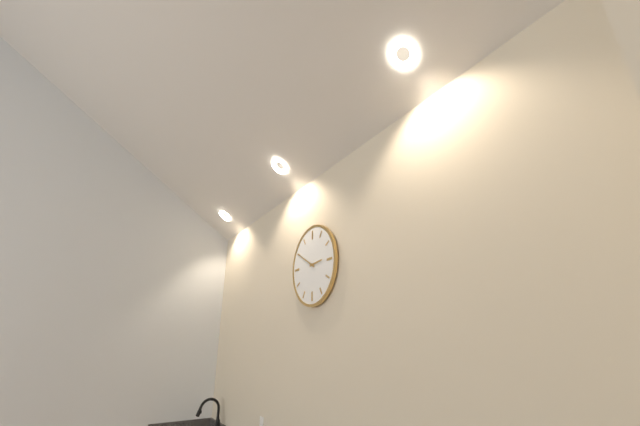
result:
2.50
